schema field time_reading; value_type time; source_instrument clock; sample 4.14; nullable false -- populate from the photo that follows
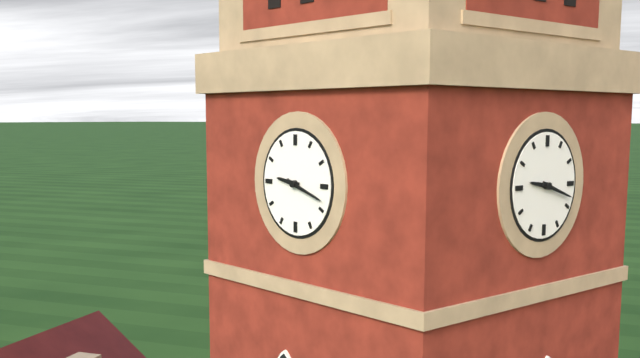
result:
9.18
